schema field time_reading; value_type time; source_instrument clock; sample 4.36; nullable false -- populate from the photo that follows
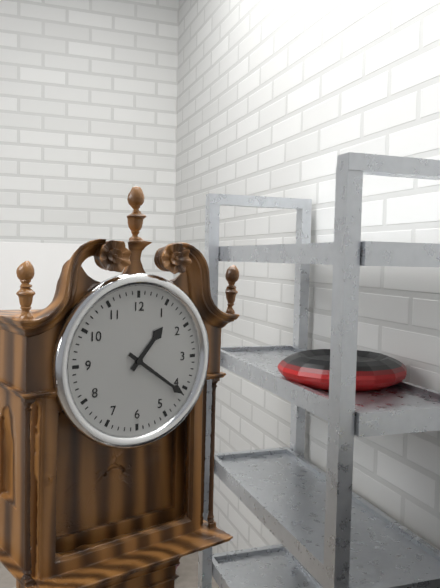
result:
1.21
